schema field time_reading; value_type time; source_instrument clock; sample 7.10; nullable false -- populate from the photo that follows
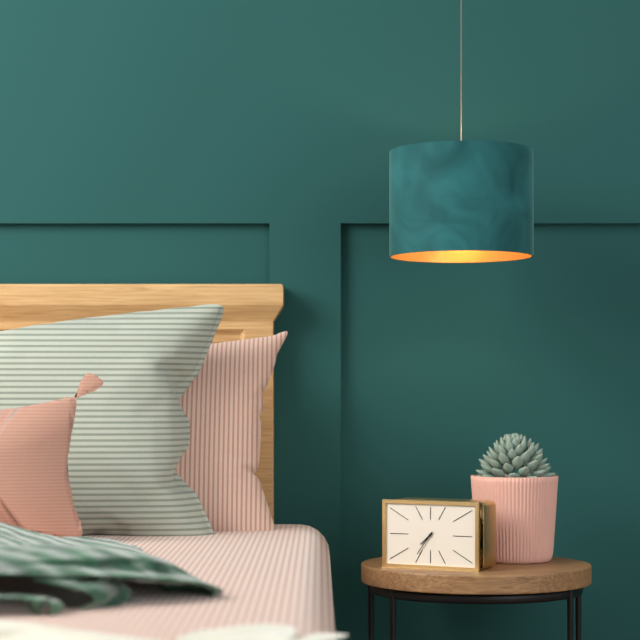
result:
7.36
